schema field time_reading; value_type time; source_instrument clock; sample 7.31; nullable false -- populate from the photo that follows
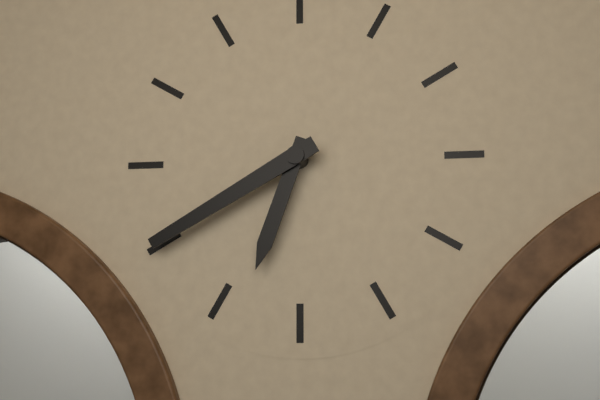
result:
6.40
